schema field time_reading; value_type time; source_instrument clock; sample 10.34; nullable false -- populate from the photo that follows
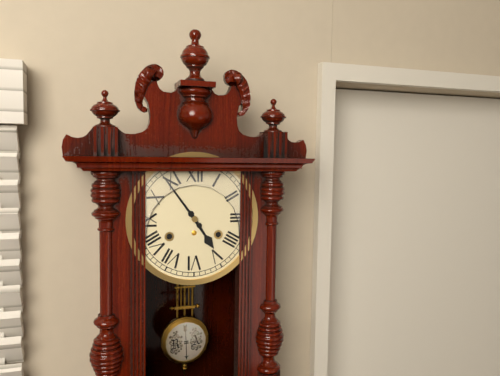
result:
4.54
